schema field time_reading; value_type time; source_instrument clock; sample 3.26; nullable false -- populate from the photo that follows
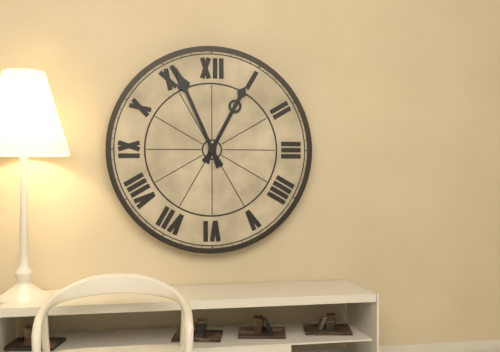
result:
12.56
